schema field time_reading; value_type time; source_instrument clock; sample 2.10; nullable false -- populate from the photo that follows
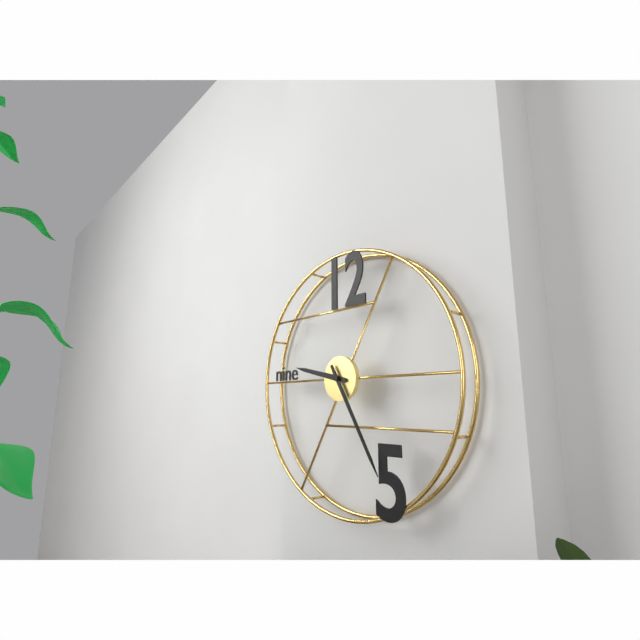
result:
9.25
